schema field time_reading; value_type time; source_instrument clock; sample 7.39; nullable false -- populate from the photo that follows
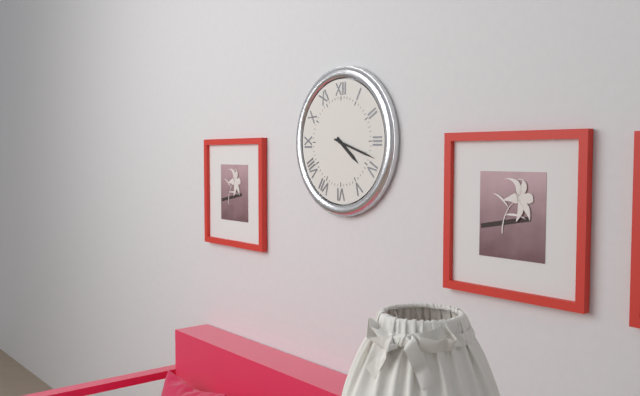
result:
4.18
